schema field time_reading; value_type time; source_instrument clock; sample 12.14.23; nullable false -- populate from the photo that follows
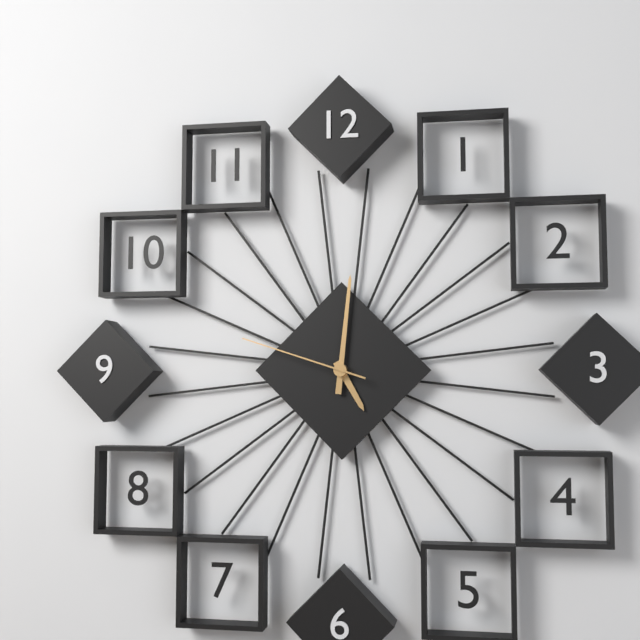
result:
5.01.48
